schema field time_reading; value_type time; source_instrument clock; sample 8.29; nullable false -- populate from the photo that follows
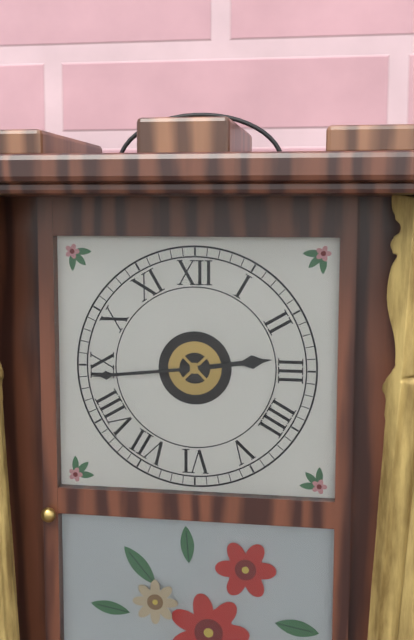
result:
2.44
